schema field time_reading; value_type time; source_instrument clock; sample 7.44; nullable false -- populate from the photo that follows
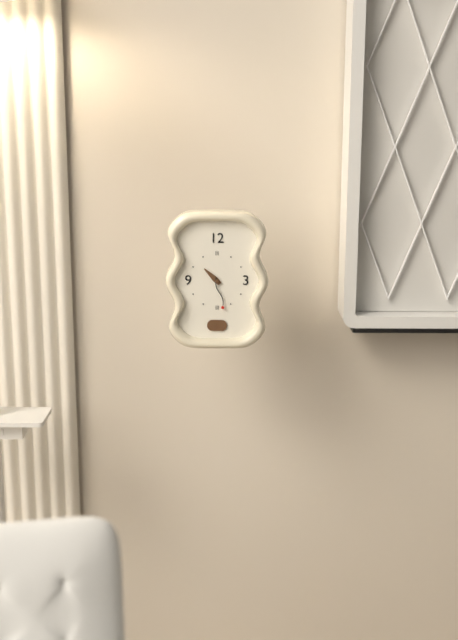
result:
10.28
